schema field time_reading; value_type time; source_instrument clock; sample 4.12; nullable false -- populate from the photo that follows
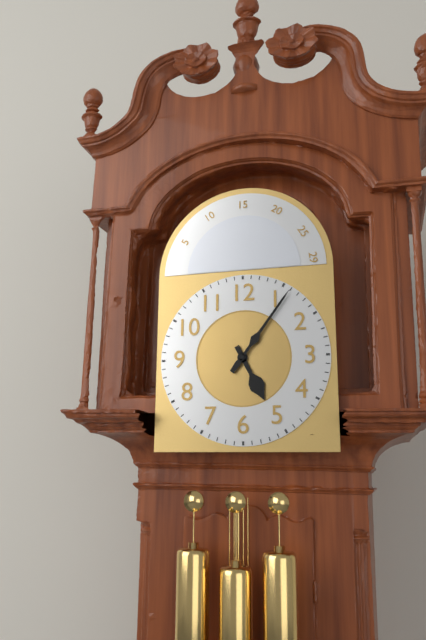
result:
5.06
